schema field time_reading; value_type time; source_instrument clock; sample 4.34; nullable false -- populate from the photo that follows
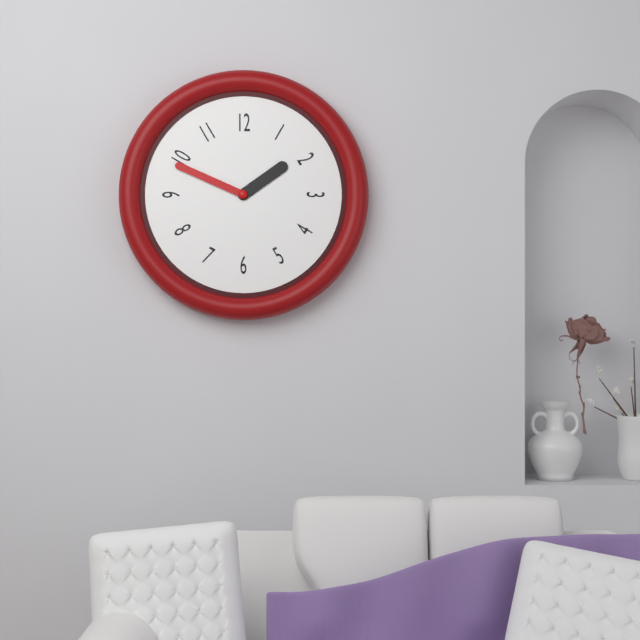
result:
1.49
